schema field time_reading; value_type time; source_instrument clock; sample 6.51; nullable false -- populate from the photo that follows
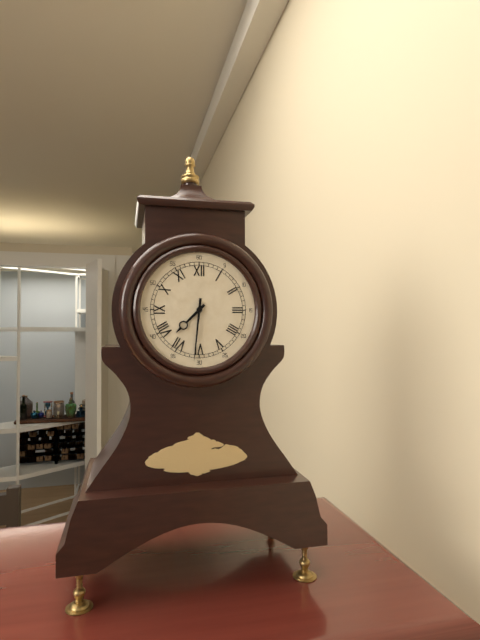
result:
7.31
